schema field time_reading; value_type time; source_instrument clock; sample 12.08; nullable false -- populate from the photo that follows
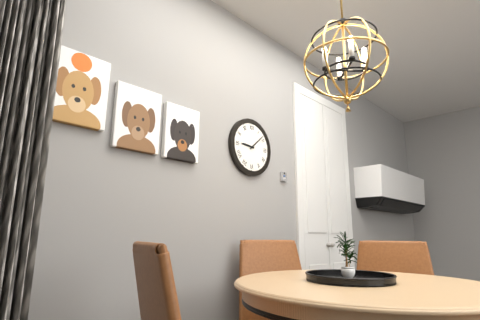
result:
9.08
